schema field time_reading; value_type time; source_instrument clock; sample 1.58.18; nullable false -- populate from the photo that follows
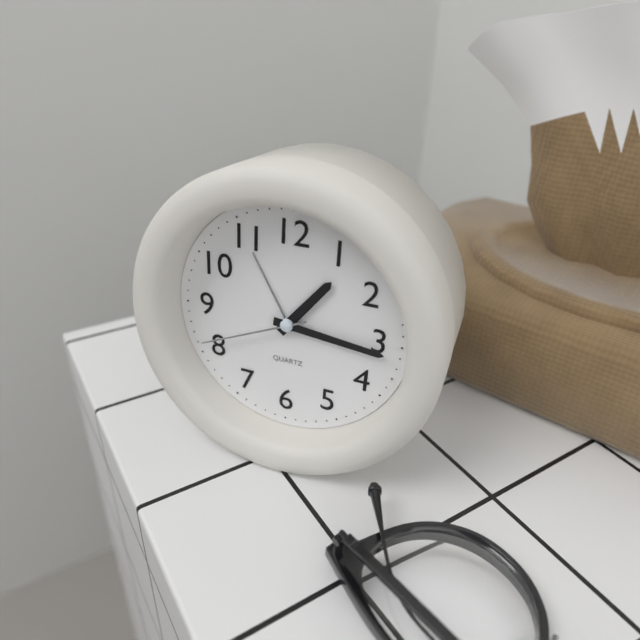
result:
1.16.41
